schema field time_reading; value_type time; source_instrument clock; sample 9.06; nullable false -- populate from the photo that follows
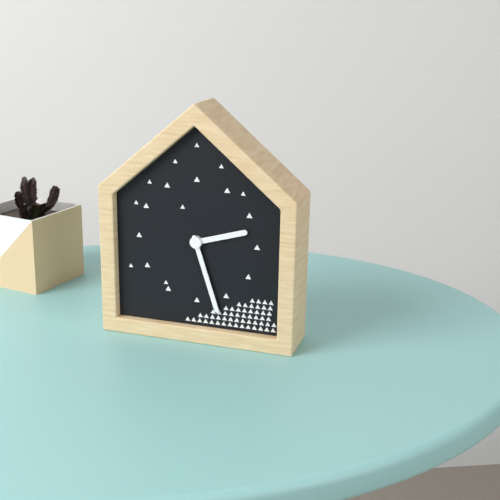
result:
2.27
